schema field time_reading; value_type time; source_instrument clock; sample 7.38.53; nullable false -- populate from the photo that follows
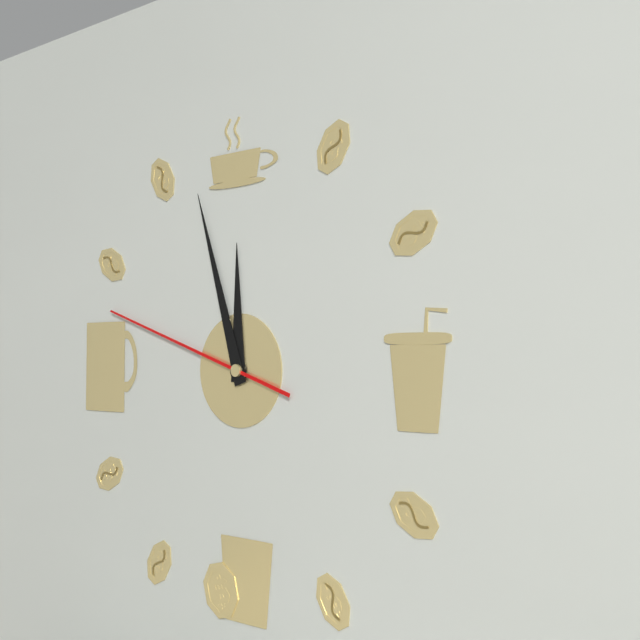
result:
11.57.48
